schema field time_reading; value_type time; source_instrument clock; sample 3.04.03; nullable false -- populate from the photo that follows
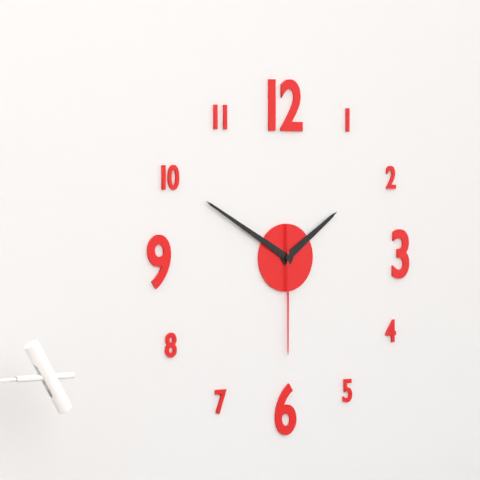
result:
1.50.30
